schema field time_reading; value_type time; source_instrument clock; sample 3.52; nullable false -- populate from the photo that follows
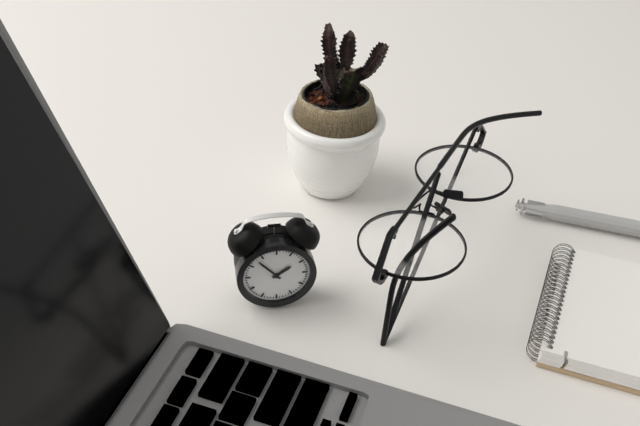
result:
1.53
